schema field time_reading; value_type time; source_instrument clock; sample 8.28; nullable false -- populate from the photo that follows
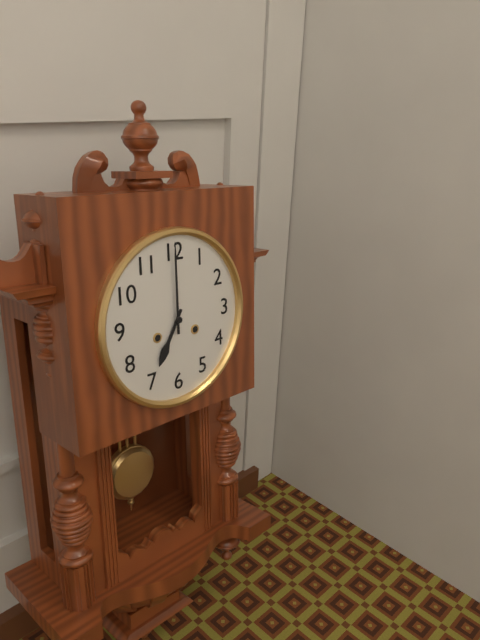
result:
7.00
